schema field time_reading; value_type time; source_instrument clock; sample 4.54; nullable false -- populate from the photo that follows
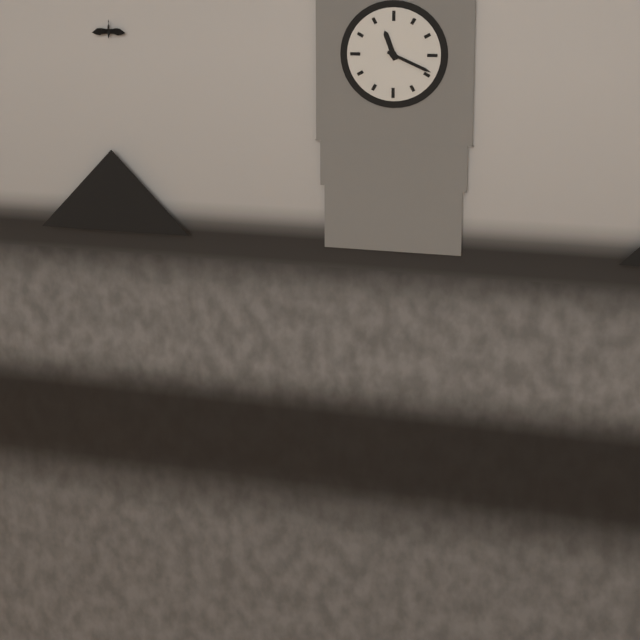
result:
11.19
